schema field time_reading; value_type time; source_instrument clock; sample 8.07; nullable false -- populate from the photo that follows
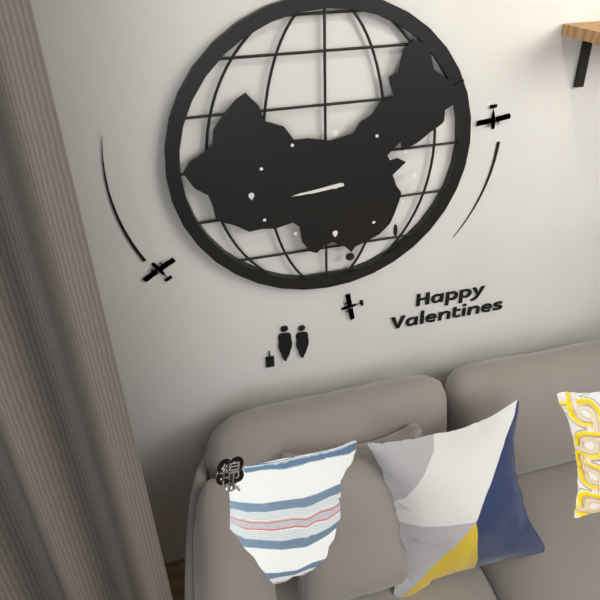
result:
8.44
